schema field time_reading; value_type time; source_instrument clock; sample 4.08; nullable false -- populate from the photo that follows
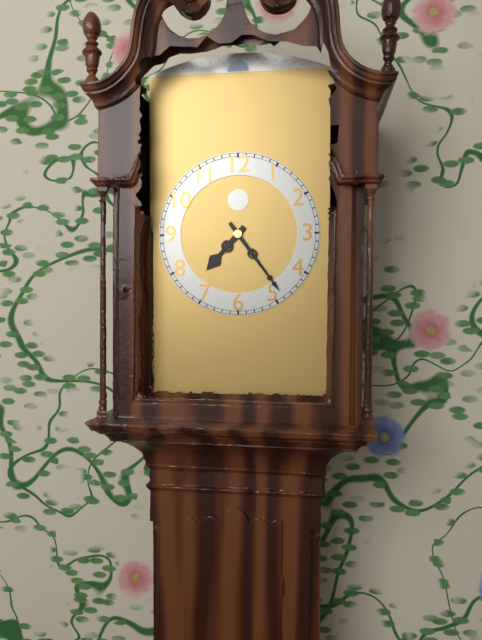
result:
7.24
